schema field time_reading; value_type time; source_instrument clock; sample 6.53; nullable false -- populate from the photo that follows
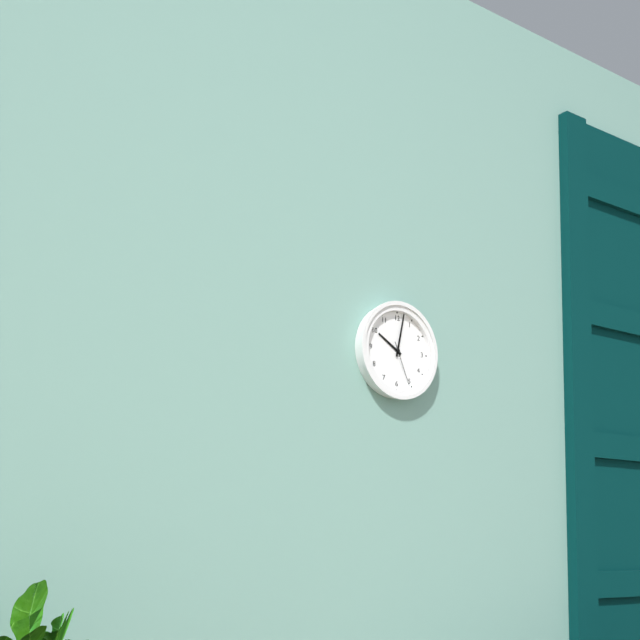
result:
10.02
